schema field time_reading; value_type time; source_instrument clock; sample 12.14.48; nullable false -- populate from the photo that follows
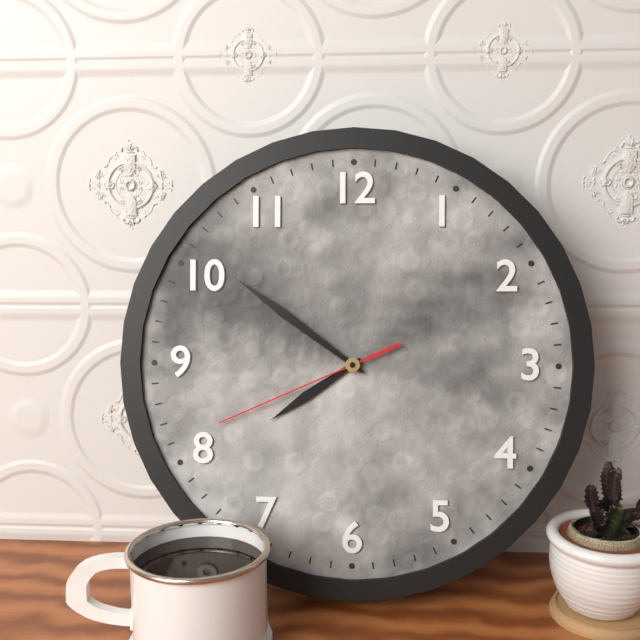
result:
7.51.41
